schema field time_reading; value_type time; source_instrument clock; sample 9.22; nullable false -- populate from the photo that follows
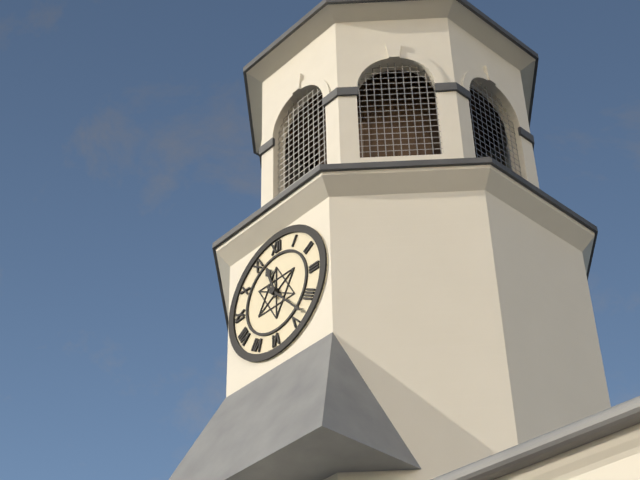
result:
11.23
